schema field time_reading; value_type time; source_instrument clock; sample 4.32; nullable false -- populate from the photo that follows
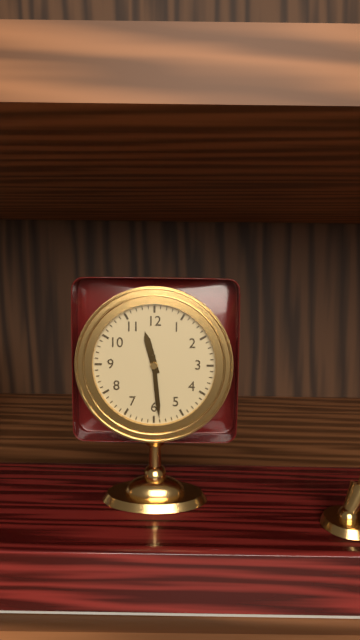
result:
11.29
